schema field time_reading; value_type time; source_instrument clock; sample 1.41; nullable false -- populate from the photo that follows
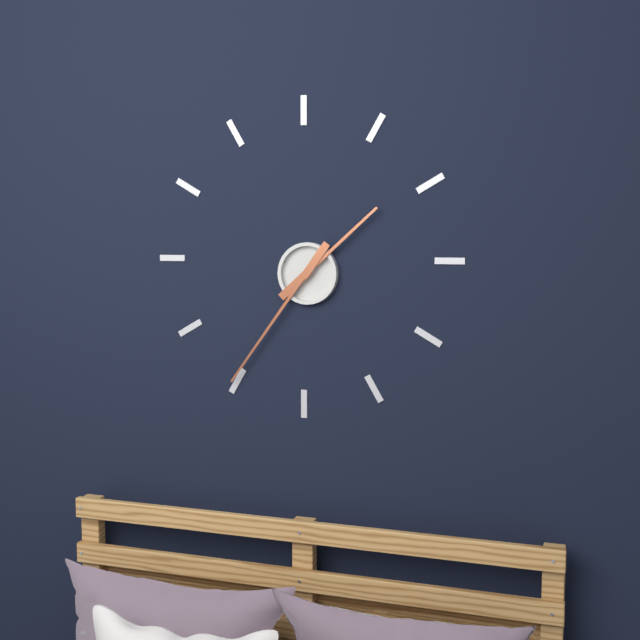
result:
1.36
